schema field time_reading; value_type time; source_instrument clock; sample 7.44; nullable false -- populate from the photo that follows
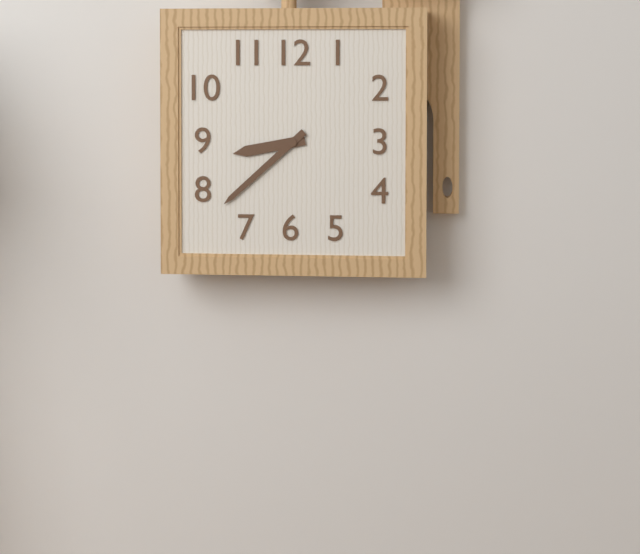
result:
8.38
